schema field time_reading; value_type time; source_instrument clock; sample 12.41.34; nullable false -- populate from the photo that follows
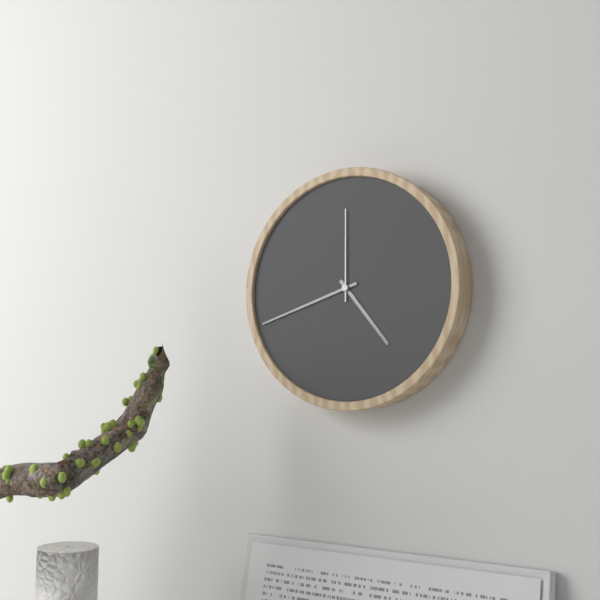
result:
4.42.00
